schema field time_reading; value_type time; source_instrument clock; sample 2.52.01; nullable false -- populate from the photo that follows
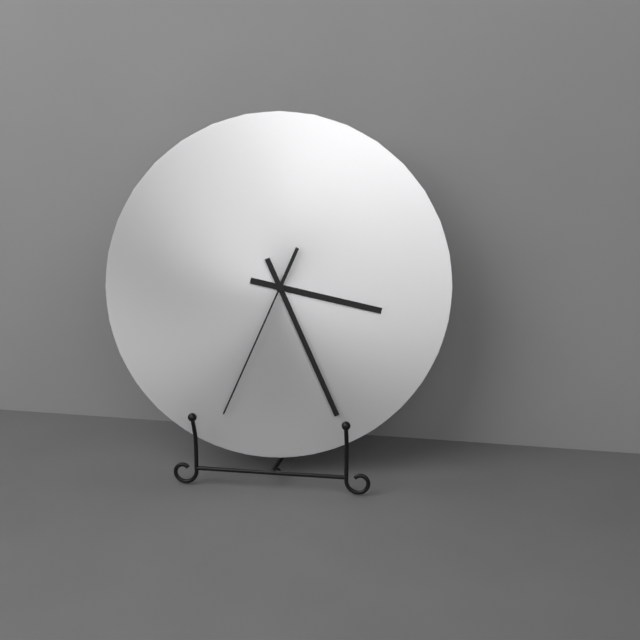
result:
3.26.34
